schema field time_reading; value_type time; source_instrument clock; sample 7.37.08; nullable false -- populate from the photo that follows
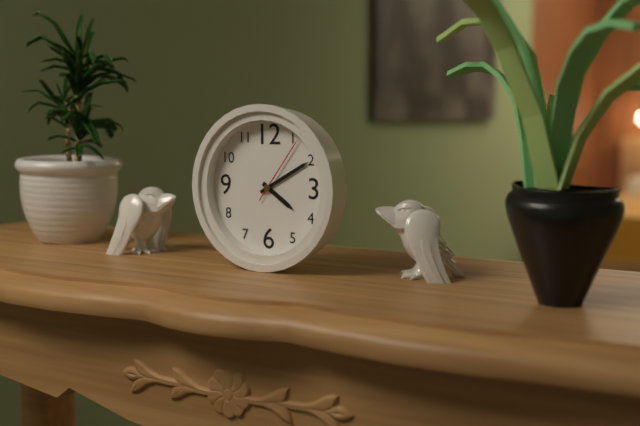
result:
4.10.06
